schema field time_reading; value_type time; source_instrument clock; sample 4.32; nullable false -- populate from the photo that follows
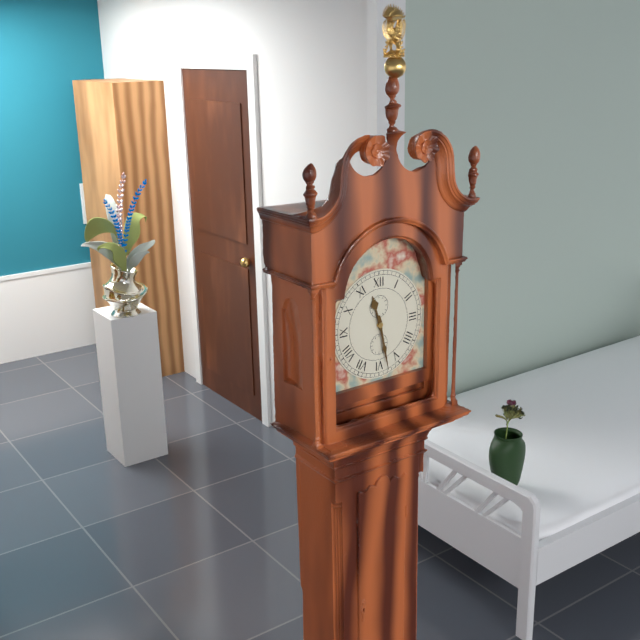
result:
11.28
